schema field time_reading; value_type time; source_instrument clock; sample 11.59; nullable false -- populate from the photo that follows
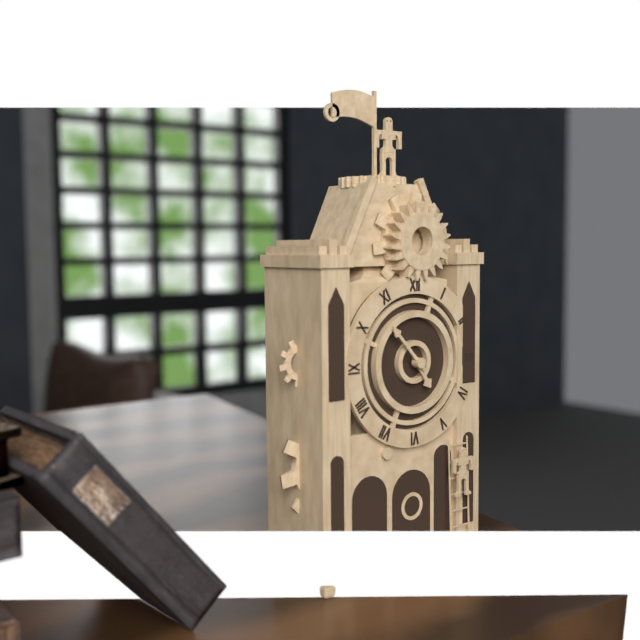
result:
4.53
